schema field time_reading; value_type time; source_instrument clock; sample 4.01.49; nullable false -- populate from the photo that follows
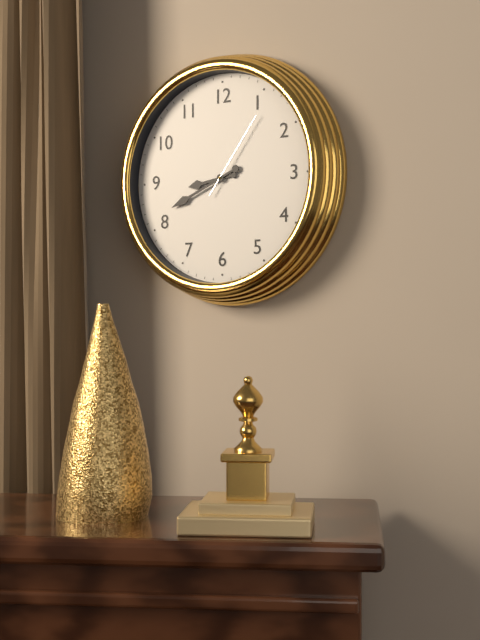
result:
8.41.06
